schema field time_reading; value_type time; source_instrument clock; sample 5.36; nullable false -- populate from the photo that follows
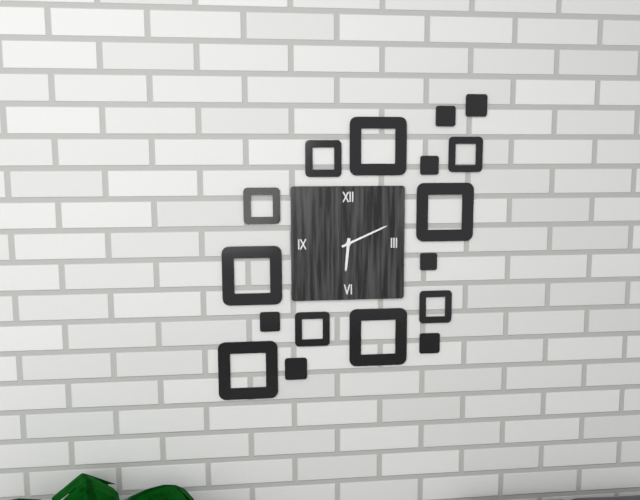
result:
6.11
